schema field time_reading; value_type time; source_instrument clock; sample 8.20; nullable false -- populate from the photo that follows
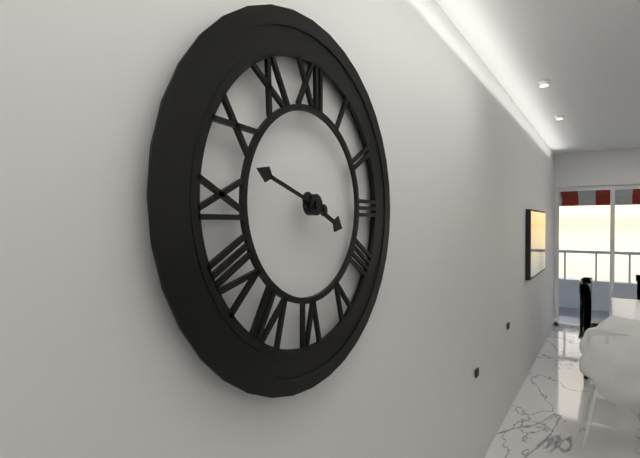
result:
3.48
